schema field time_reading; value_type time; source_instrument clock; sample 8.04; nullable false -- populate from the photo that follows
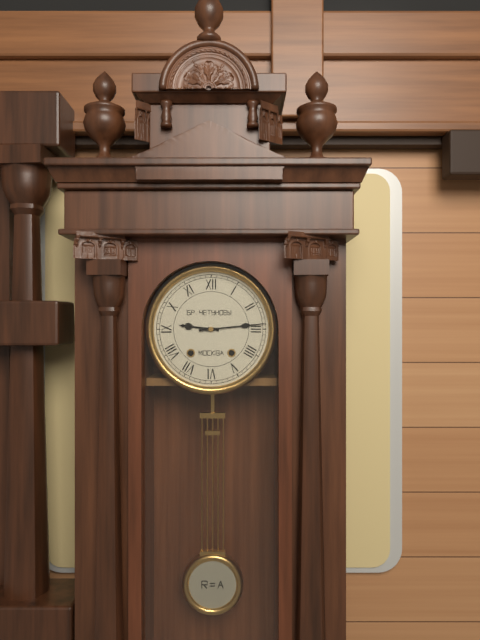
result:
9.14
